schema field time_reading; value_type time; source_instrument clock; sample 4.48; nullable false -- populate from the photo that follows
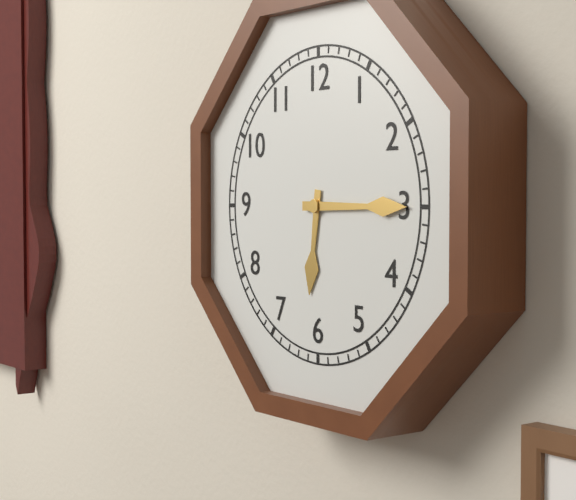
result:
6.15
